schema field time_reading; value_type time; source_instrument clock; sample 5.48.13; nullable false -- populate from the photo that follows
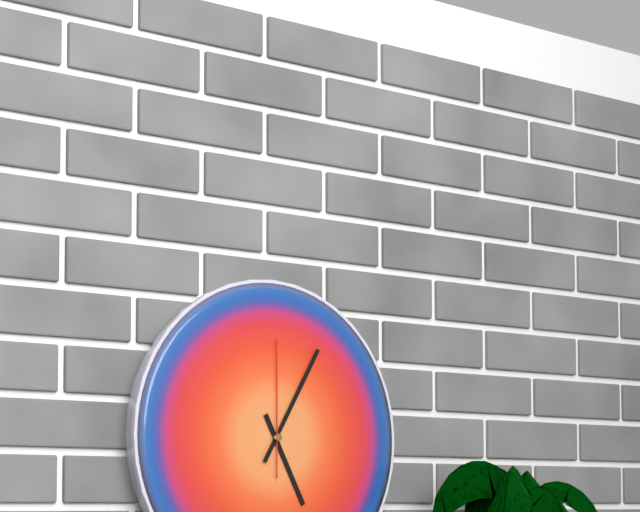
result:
5.05.00
